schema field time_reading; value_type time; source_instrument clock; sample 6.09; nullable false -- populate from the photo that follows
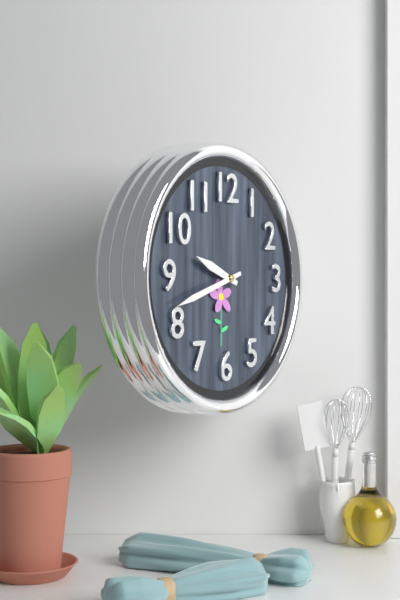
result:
9.42
